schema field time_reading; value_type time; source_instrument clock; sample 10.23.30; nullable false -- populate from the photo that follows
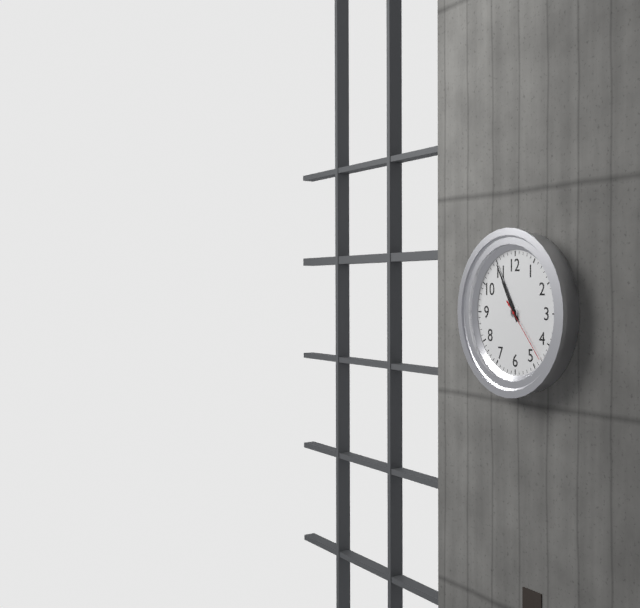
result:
10.55.23
